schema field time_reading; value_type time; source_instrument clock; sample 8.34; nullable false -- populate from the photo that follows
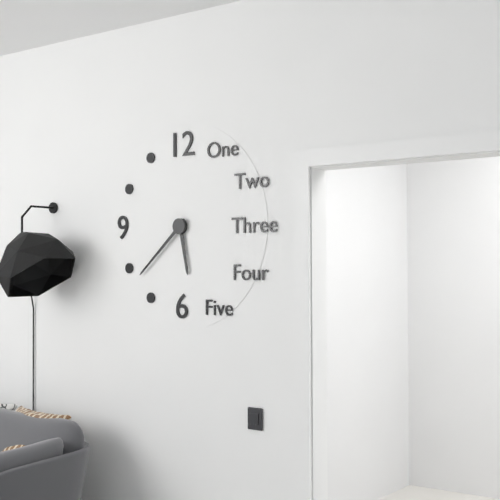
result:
5.38
